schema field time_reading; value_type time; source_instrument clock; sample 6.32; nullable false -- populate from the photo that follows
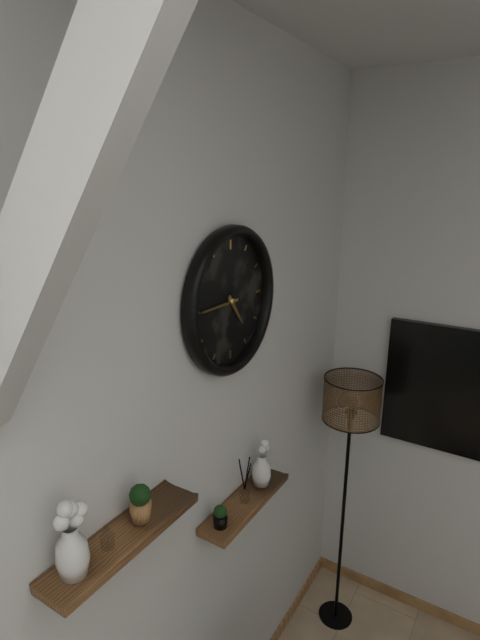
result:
4.45
